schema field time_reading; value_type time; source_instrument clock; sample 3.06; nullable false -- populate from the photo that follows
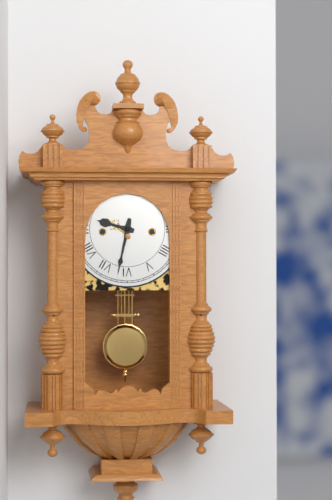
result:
9.32
